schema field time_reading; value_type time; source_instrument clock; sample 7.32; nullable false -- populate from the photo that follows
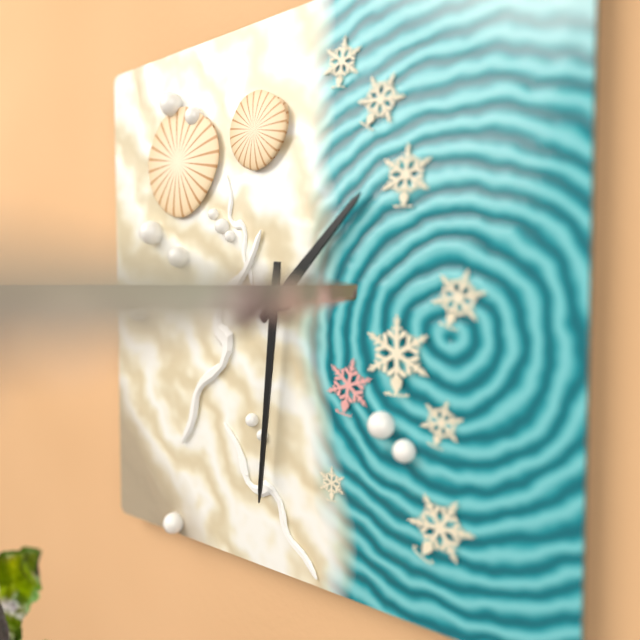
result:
1.31
